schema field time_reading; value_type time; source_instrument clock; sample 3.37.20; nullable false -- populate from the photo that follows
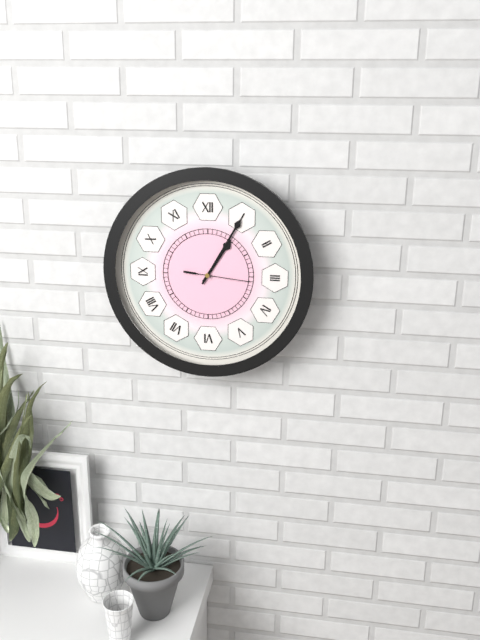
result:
1.05.16
